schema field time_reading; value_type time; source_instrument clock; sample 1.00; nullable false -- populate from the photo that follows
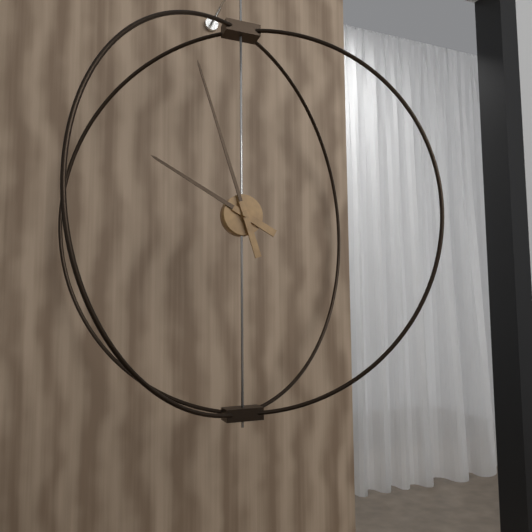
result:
9.57
